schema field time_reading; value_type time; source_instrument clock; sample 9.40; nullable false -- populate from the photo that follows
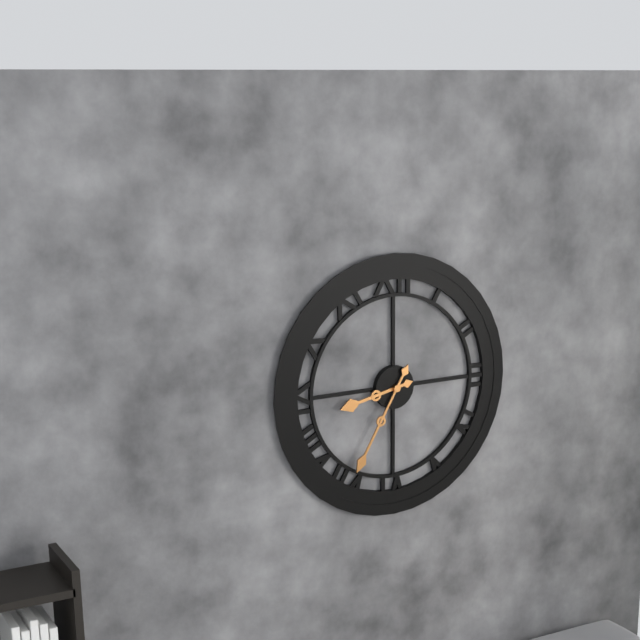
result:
8.35
